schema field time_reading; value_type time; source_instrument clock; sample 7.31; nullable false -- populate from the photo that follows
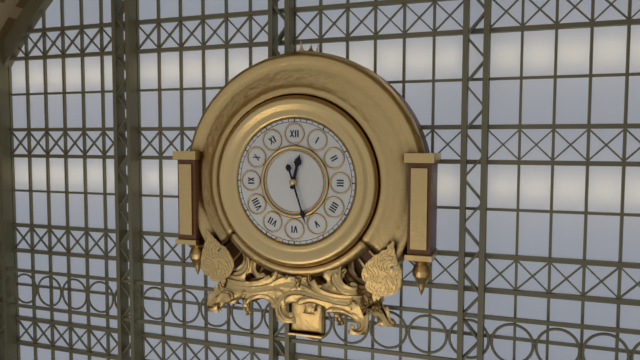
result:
12.27
